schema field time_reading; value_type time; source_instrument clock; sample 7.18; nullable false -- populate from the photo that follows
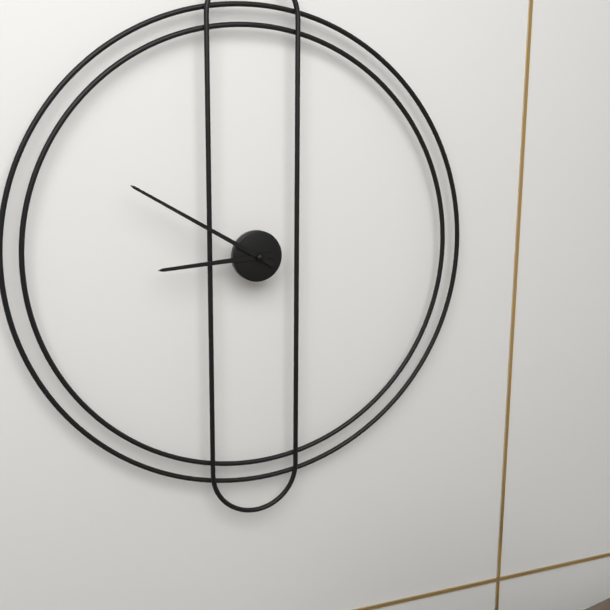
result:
8.50
